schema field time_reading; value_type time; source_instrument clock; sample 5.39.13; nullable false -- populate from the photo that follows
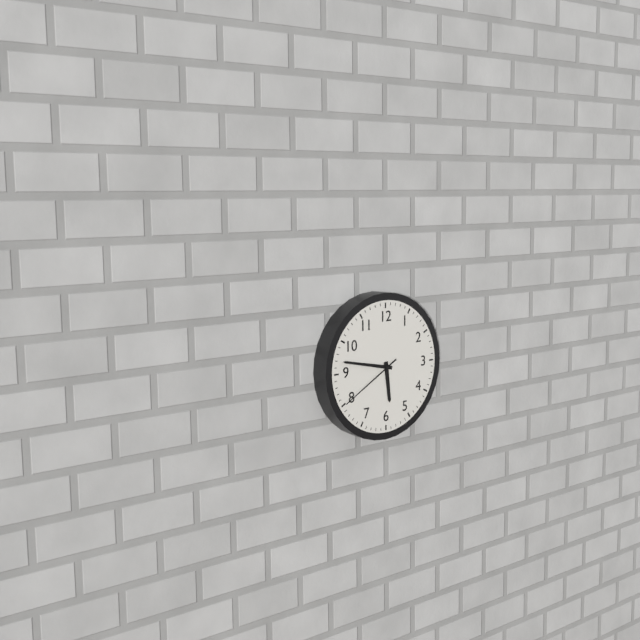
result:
5.47.40
